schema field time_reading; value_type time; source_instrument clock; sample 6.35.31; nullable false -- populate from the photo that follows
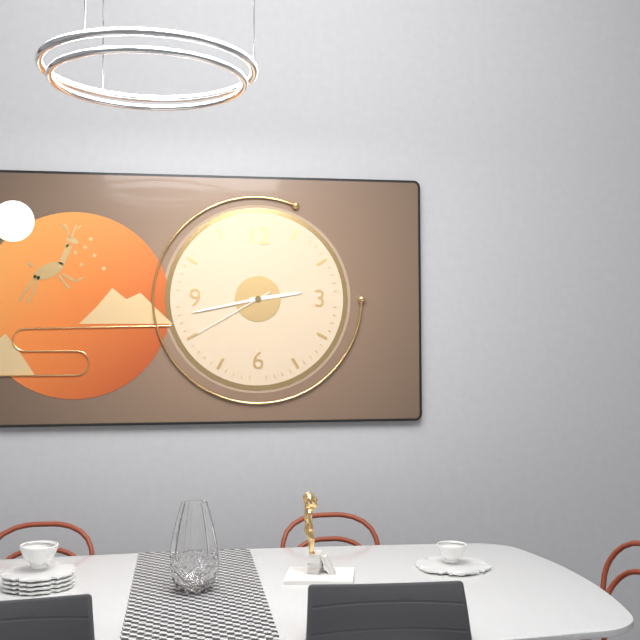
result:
2.43.40
